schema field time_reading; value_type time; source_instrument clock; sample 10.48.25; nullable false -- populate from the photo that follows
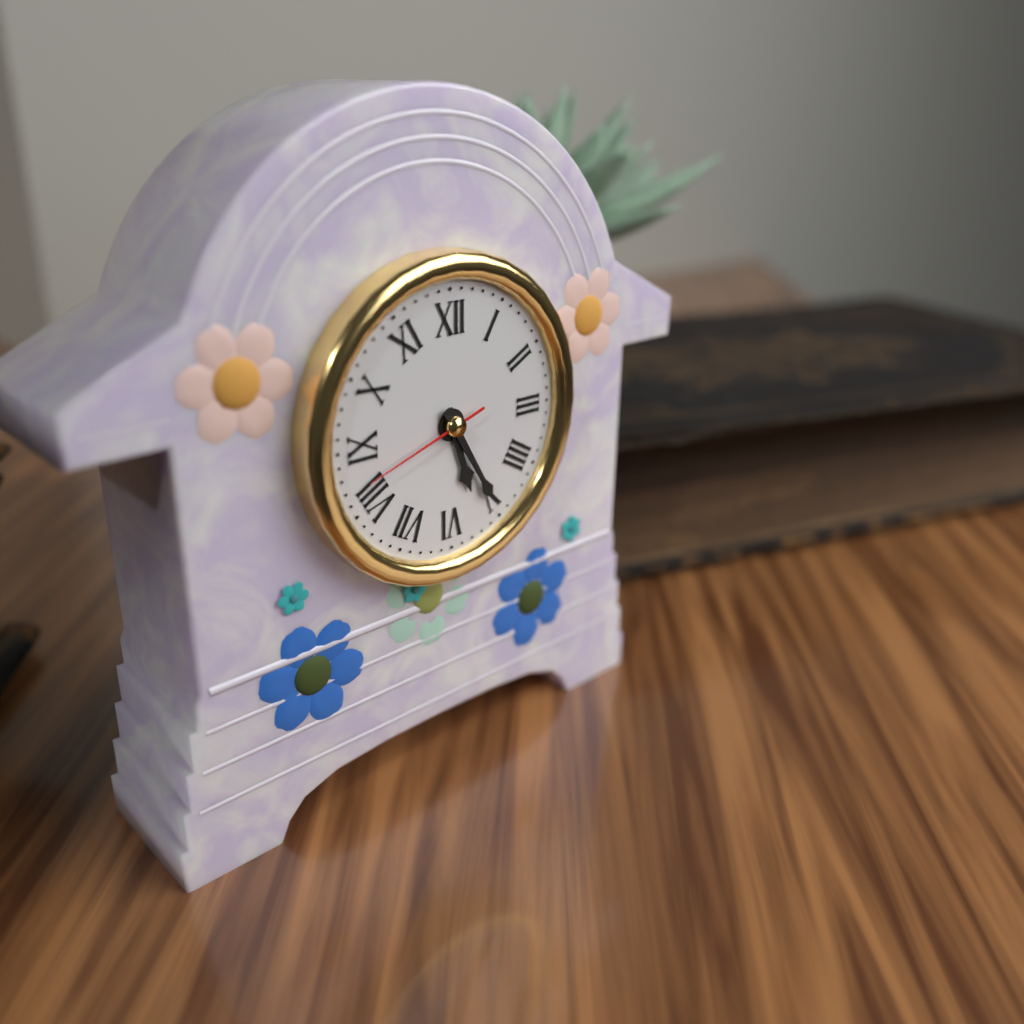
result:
5.25.42
